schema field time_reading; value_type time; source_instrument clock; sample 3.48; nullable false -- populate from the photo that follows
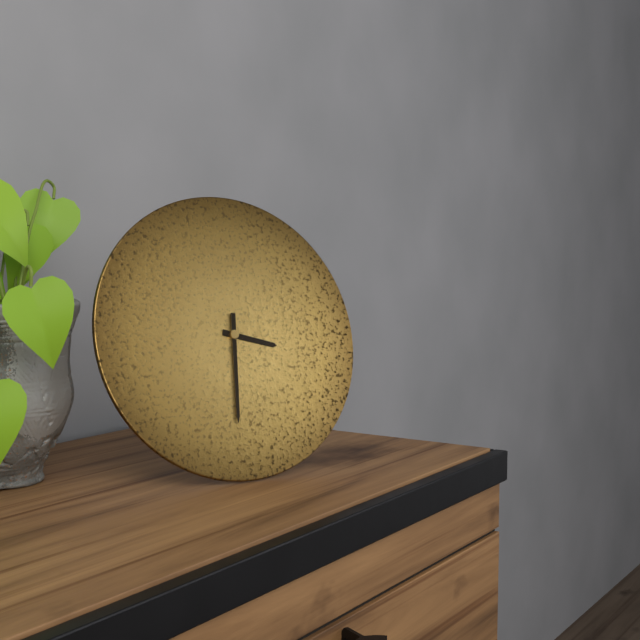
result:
3.31
